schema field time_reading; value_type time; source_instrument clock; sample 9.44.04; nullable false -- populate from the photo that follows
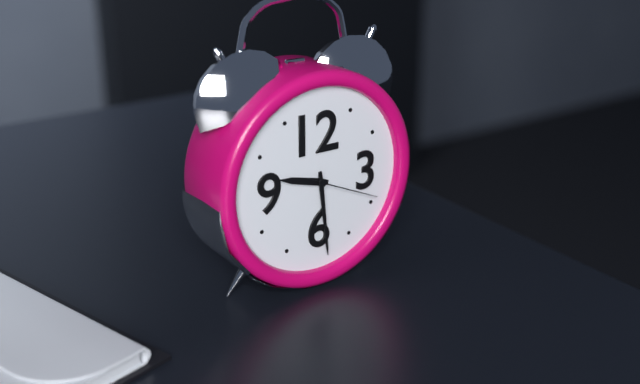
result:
9.29.19
